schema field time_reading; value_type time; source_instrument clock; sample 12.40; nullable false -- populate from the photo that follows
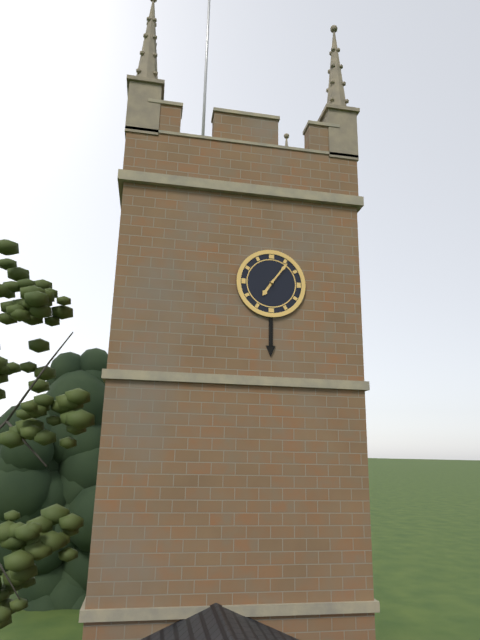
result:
7.06
